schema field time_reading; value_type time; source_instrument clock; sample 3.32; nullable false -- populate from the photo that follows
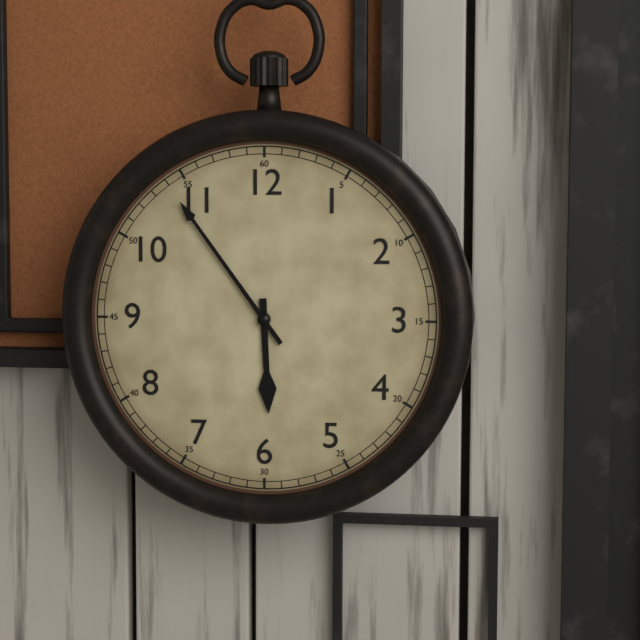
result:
5.54
